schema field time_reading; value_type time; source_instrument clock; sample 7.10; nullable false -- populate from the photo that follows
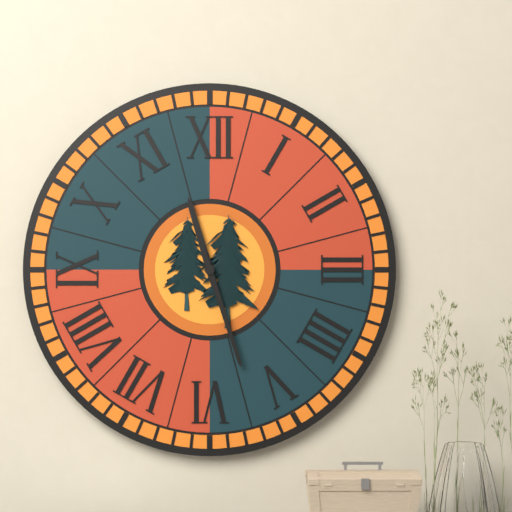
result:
11.27
